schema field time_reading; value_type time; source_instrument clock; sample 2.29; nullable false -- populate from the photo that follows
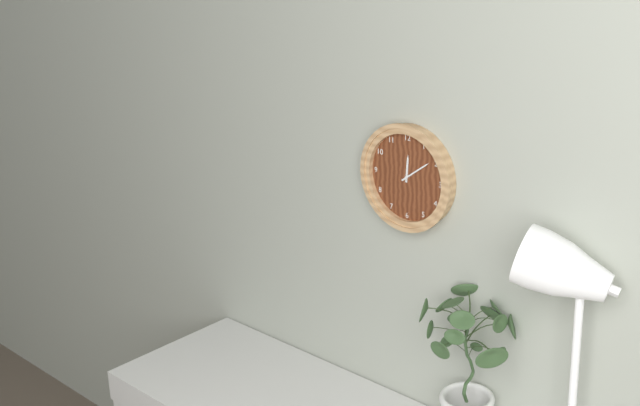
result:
12.09
